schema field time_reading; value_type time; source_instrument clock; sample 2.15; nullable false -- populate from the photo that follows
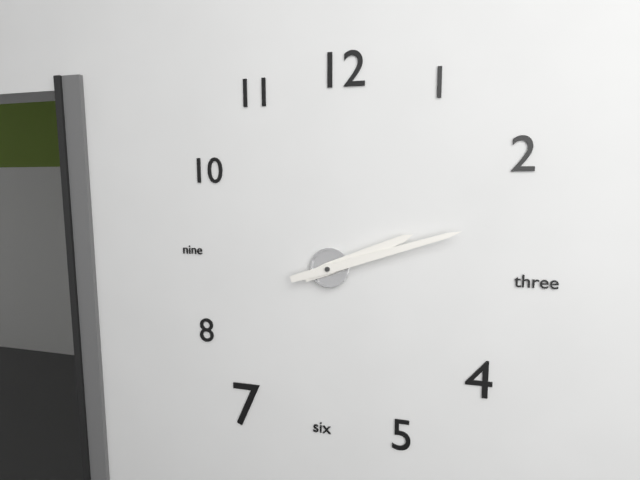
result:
2.12
